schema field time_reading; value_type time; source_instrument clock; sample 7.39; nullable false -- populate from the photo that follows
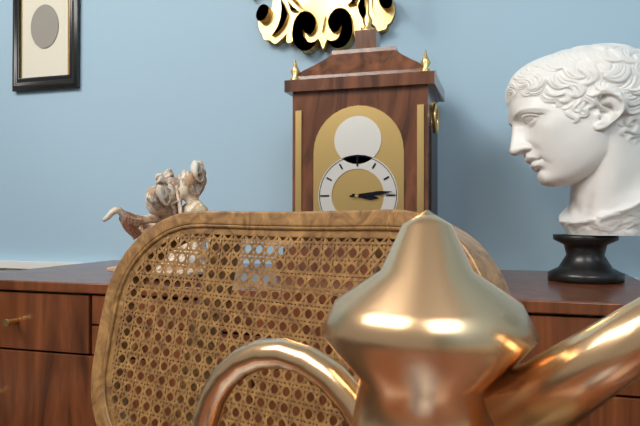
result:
3.14
